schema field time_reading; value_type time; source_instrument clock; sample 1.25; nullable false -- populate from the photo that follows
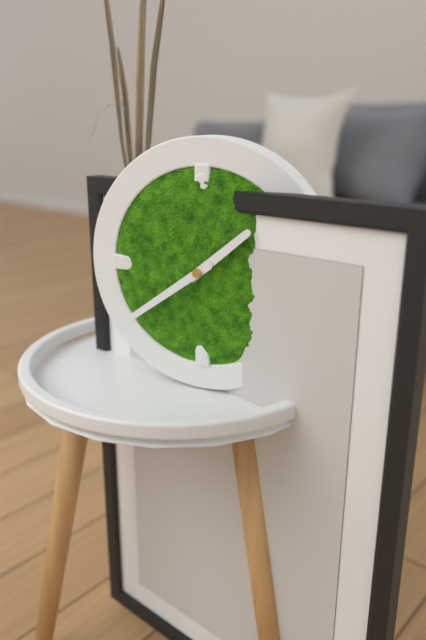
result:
1.39
